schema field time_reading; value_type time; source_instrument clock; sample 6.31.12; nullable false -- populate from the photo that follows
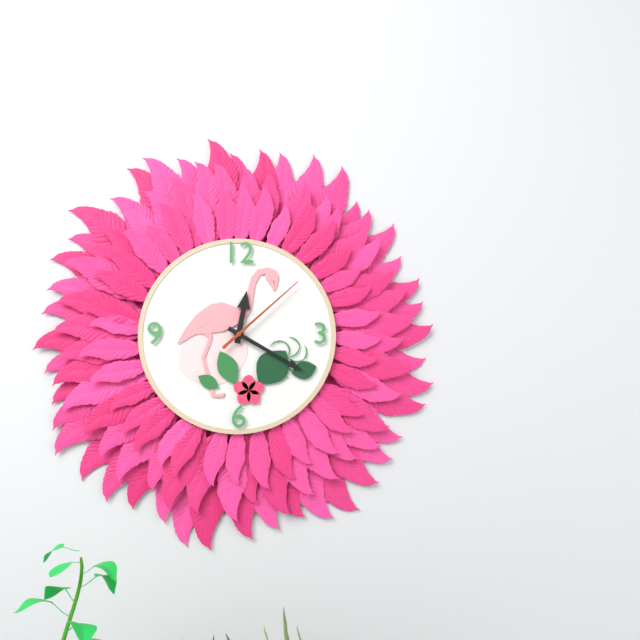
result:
12.20.08
